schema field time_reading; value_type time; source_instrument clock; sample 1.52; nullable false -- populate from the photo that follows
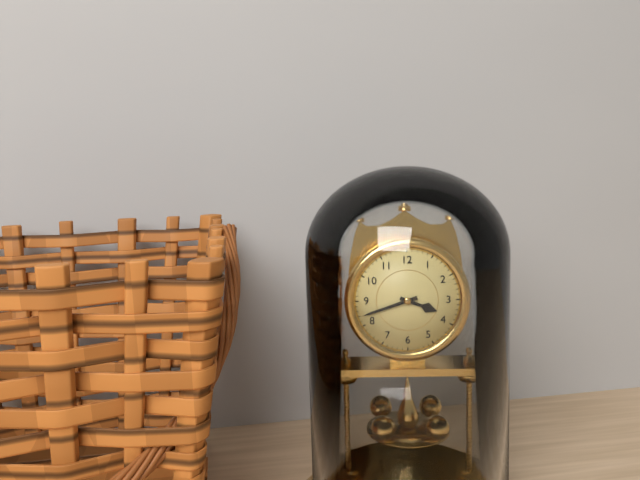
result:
3.42
